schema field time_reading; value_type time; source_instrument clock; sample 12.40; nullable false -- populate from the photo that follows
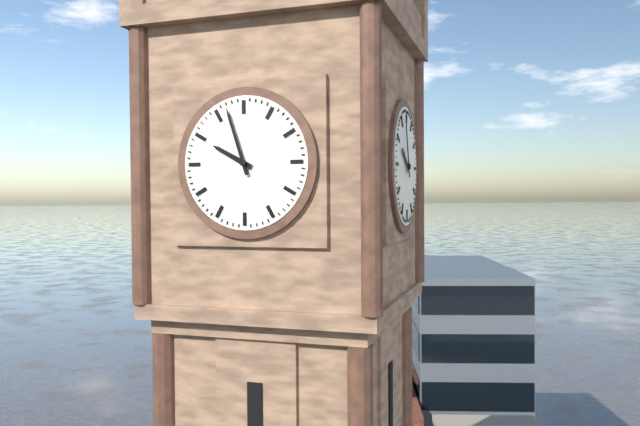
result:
9.57
